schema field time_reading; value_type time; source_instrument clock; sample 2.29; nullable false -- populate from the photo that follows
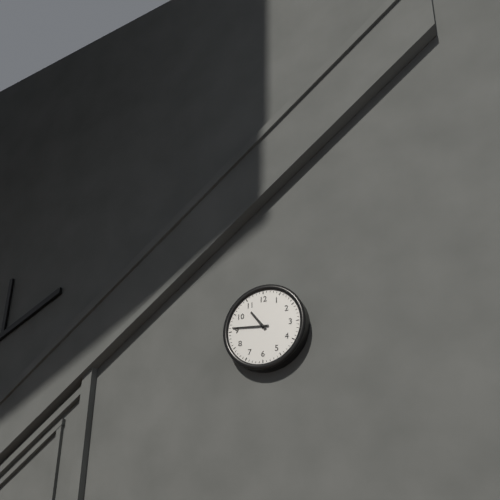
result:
10.46
